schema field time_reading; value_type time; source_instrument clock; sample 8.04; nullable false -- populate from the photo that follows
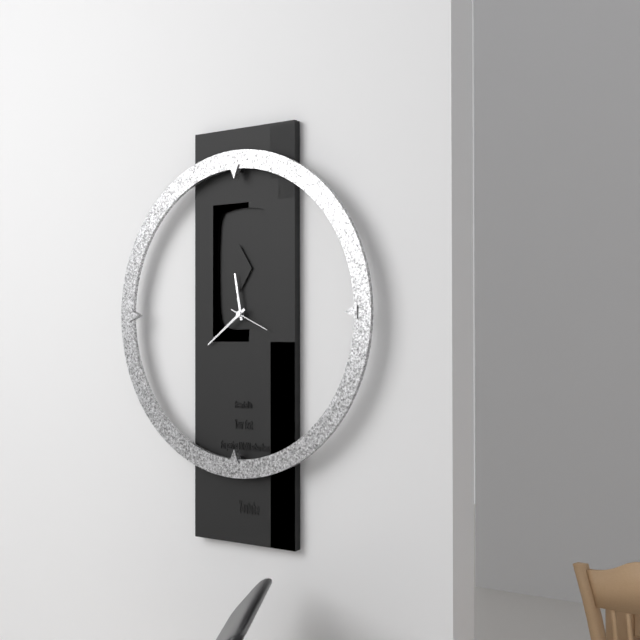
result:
11.39
